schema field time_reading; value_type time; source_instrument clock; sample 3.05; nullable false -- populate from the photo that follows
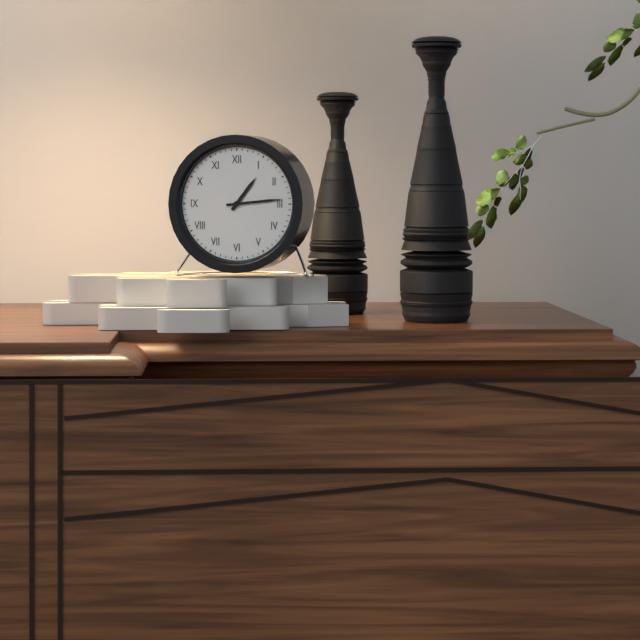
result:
1.14
